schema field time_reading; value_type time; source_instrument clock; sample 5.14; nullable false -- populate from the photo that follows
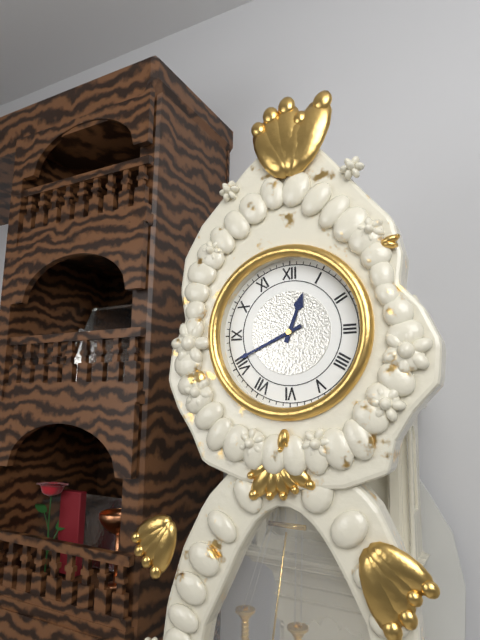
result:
12.41
